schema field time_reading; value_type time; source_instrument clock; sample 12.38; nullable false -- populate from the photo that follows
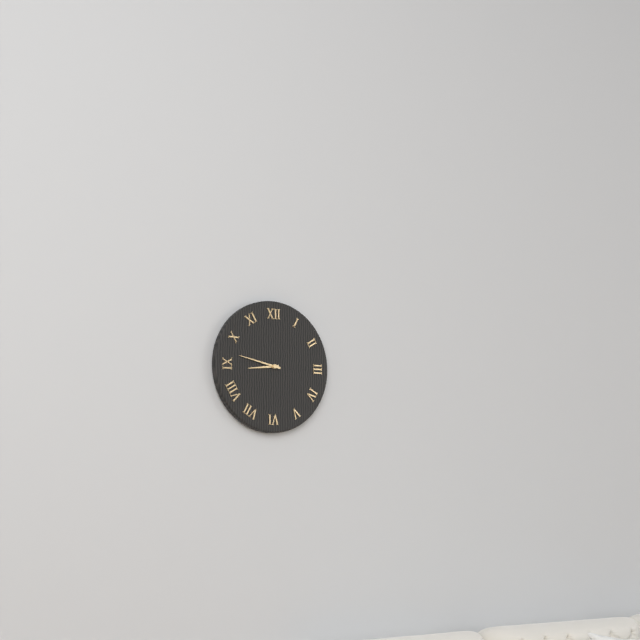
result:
8.47
